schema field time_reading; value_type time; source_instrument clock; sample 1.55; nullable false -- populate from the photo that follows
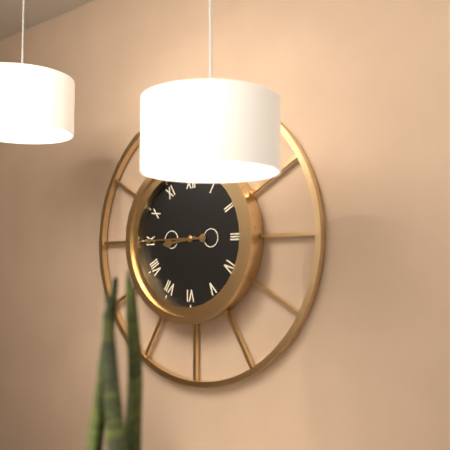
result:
8.45
